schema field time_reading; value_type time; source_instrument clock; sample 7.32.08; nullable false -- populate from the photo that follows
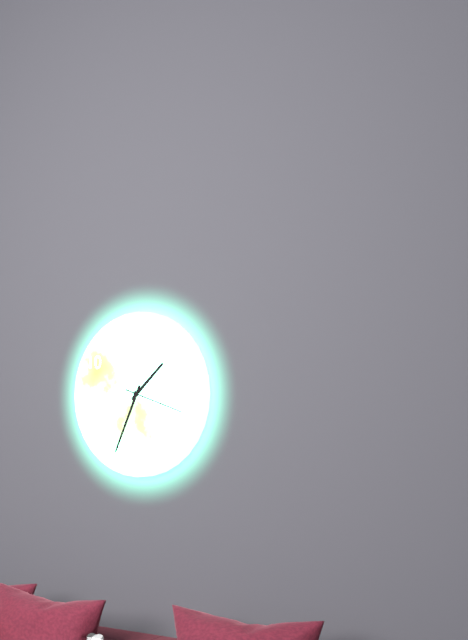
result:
1.34.18
